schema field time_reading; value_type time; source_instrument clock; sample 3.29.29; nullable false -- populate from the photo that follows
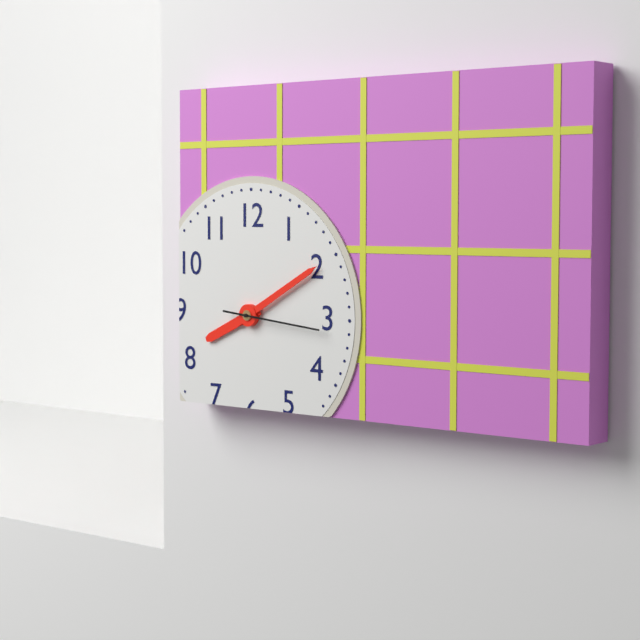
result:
8.10.16
